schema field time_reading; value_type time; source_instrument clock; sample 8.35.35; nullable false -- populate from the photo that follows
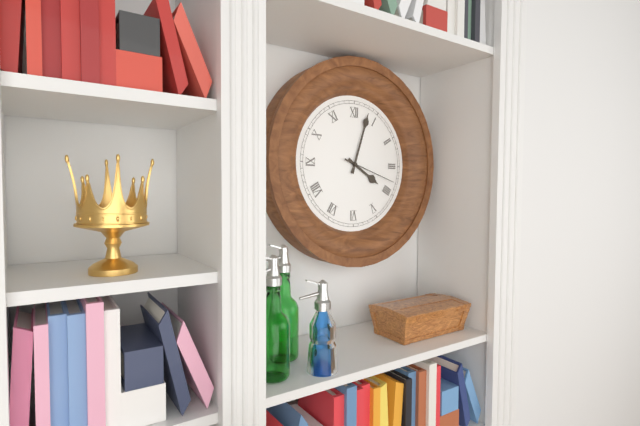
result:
4.03.18
